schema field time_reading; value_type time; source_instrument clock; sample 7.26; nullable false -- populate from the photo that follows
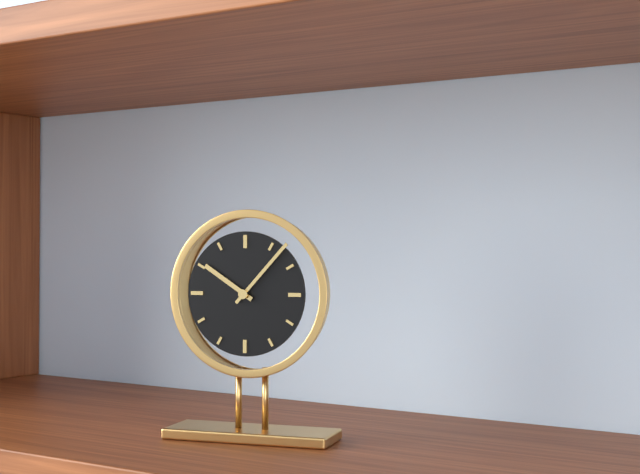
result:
10.07
